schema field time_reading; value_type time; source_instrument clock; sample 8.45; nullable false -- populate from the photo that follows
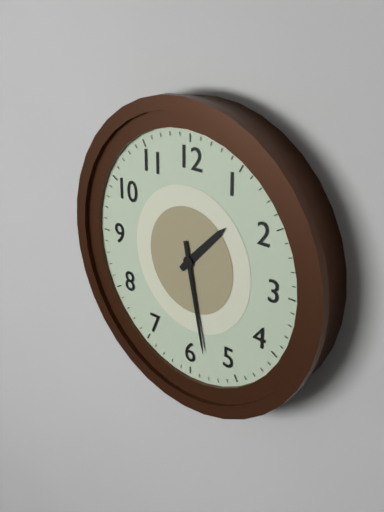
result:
1.28
